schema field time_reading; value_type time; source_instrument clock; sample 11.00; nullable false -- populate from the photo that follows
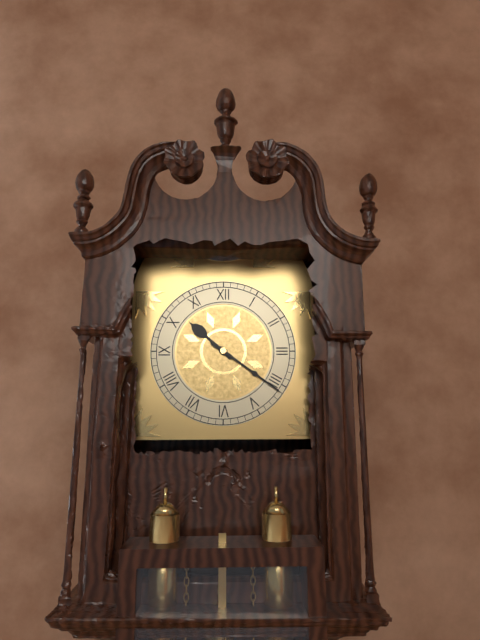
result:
10.21
